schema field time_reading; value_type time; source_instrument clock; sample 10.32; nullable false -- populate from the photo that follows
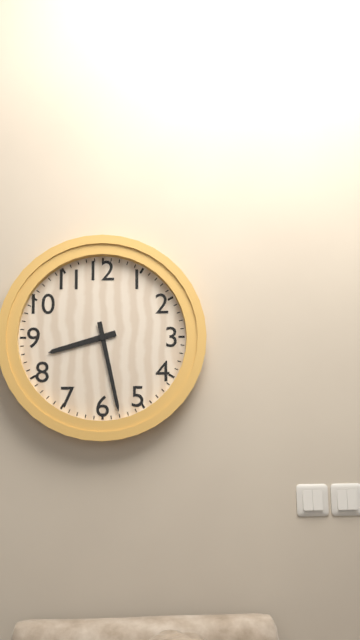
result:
8.28
